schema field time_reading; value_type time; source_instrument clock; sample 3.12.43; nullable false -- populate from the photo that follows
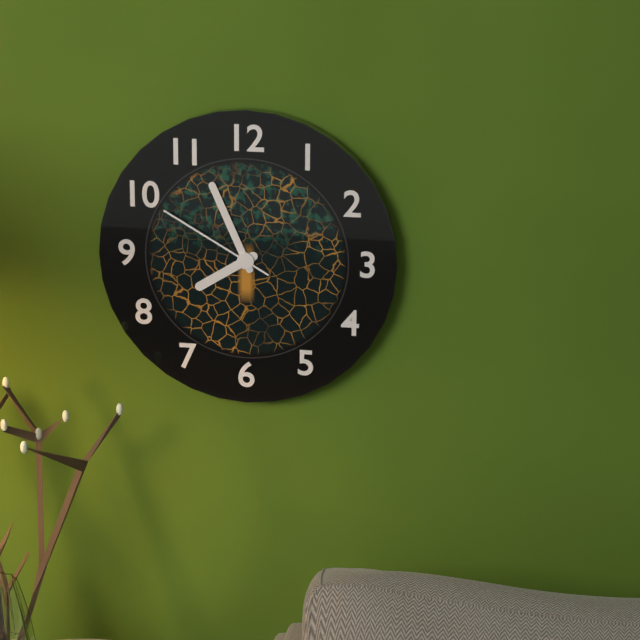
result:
7.56.50
